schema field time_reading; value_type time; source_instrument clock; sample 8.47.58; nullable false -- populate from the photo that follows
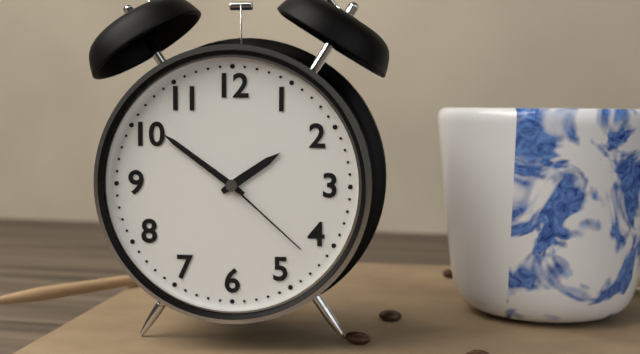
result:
1.51.22
